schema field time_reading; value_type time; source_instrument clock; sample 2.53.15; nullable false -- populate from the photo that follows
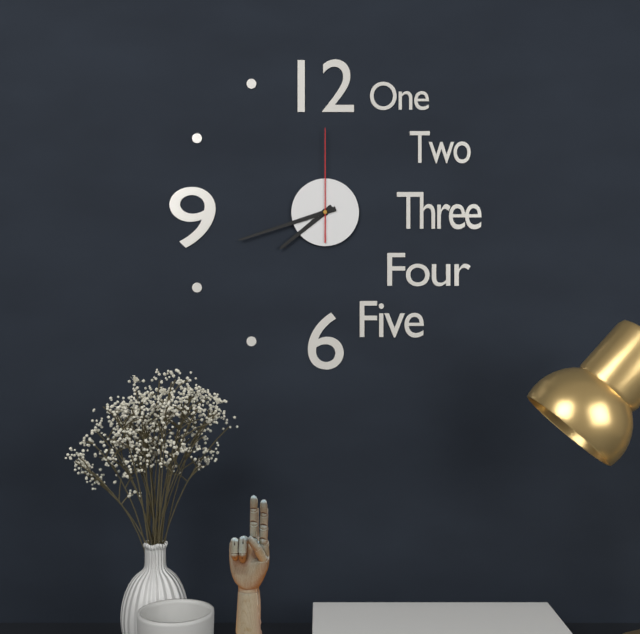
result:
7.42.00
